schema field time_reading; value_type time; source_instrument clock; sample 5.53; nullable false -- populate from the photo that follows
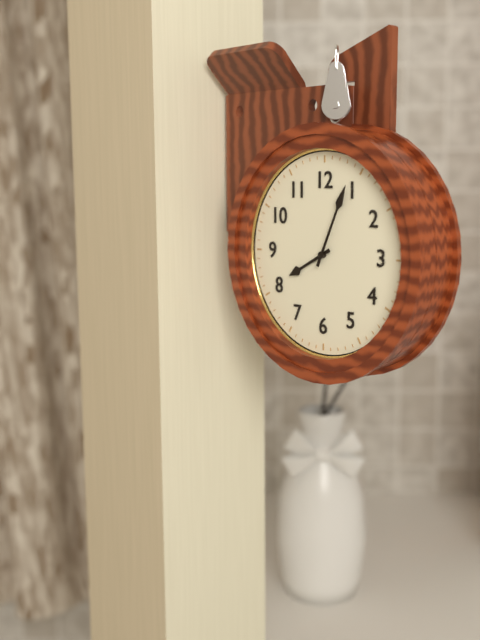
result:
8.04
